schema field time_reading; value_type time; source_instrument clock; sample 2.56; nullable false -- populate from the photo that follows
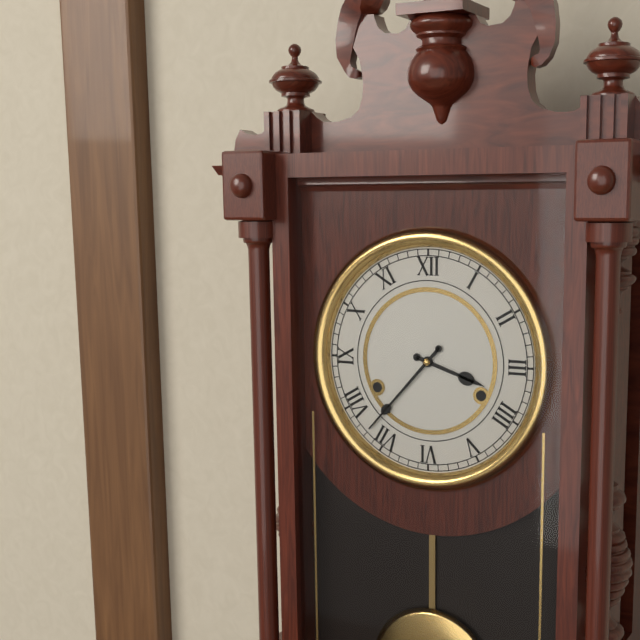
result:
3.37
